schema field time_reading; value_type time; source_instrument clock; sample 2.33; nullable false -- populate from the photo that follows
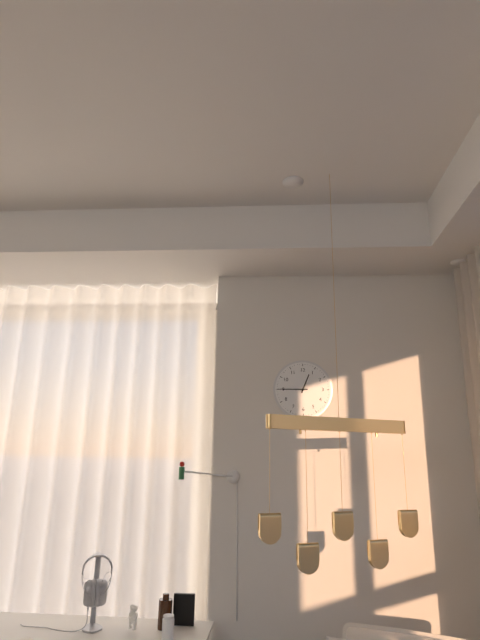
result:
12.45
